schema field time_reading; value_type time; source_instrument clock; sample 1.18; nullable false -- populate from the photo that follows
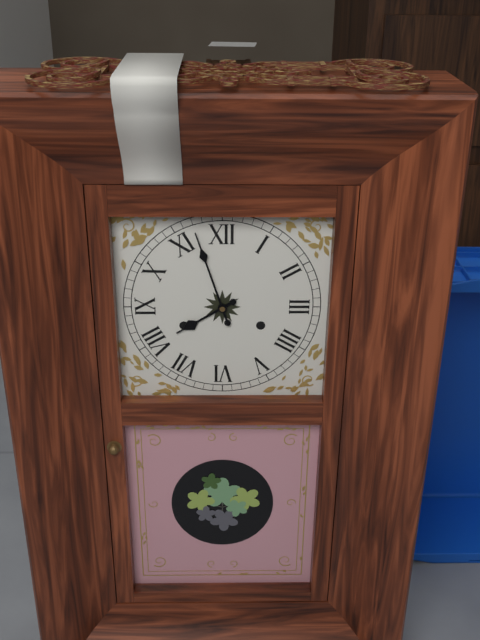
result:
7.57
